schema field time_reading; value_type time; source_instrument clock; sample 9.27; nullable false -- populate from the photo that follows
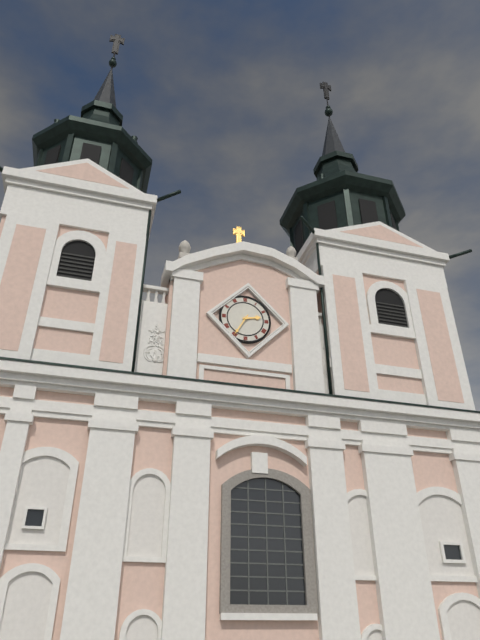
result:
2.35
